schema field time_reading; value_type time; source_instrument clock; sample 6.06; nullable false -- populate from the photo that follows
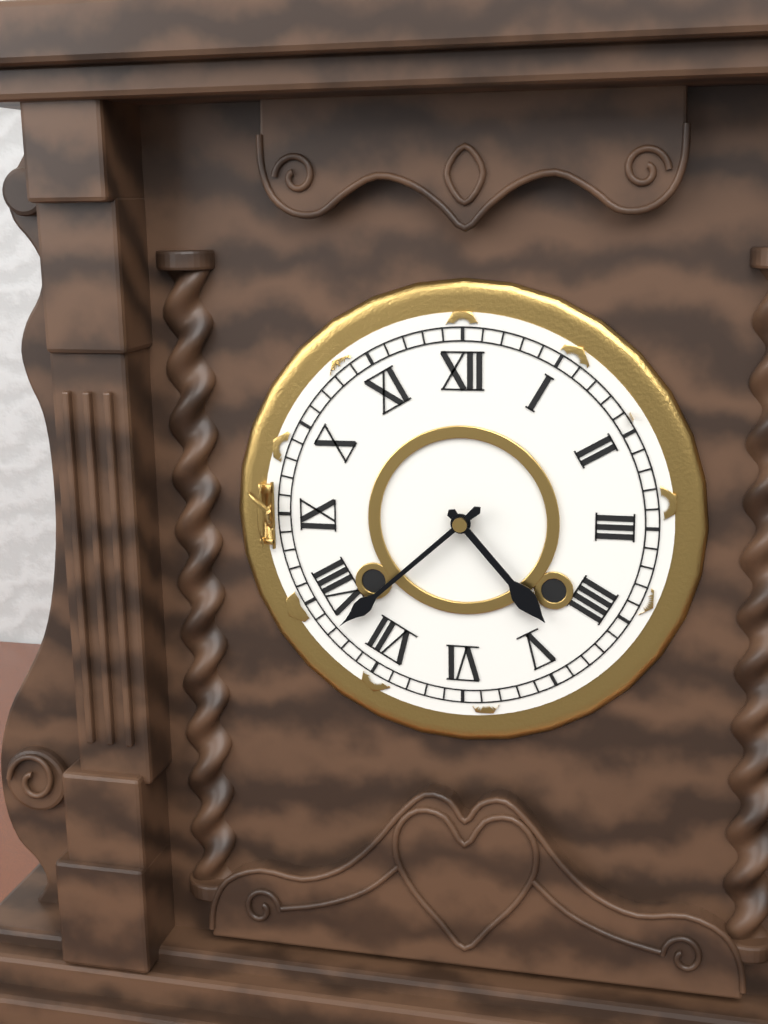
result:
4.38
